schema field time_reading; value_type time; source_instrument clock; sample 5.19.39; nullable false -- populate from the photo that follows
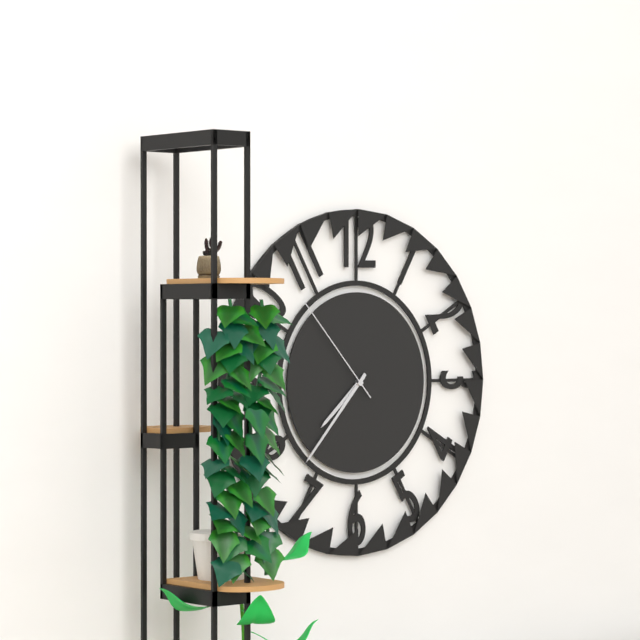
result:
7.37.53
